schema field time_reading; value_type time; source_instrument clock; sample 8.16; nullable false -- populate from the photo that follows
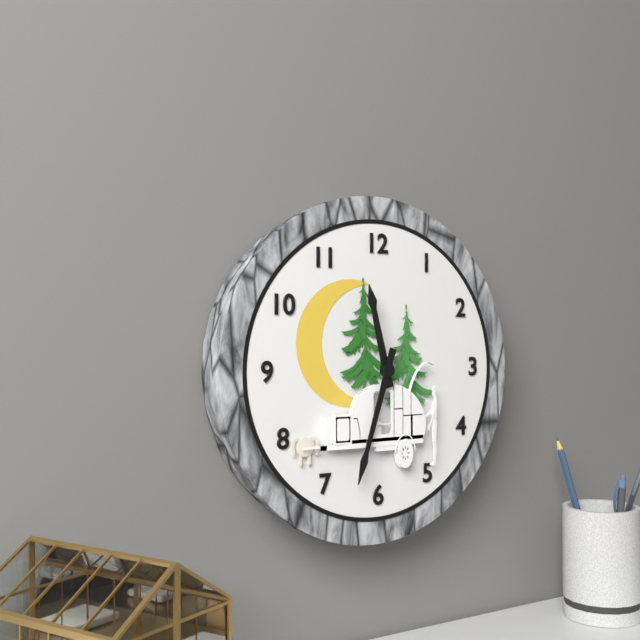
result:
11.33
